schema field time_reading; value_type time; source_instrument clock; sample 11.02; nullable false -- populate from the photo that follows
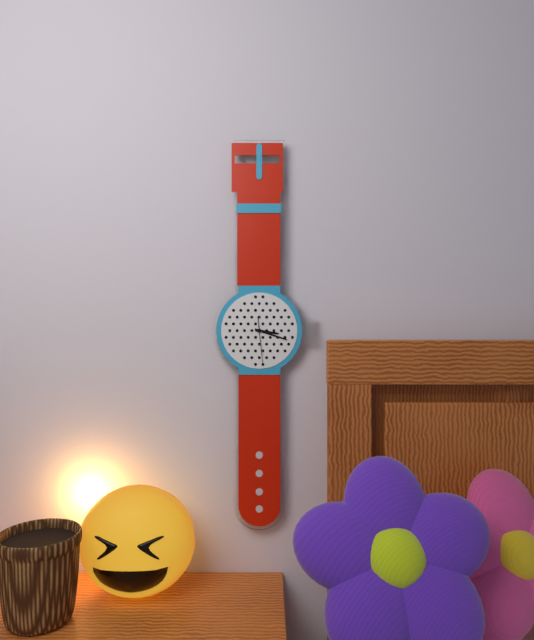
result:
3.18
